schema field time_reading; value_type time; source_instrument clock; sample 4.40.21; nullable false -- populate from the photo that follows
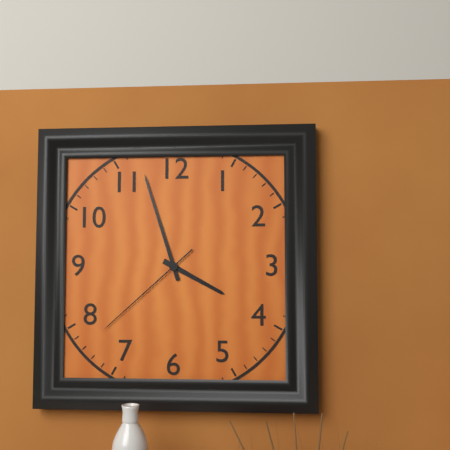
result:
3.57.38
